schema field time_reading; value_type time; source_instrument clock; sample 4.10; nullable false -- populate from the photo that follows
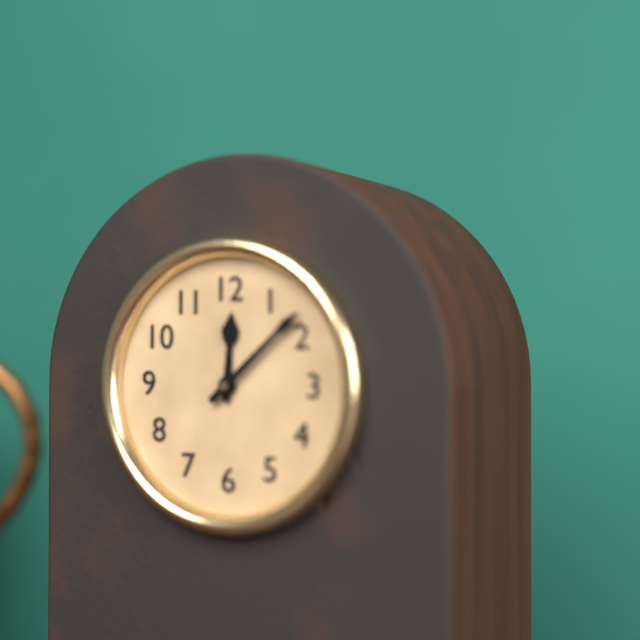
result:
12.08
